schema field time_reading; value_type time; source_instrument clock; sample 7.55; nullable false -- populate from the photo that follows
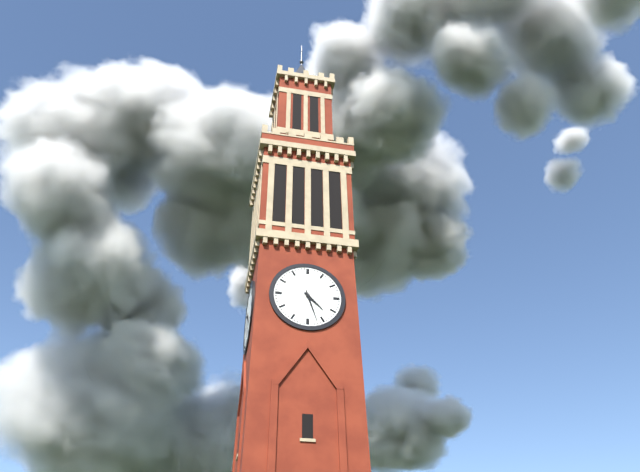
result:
4.27
